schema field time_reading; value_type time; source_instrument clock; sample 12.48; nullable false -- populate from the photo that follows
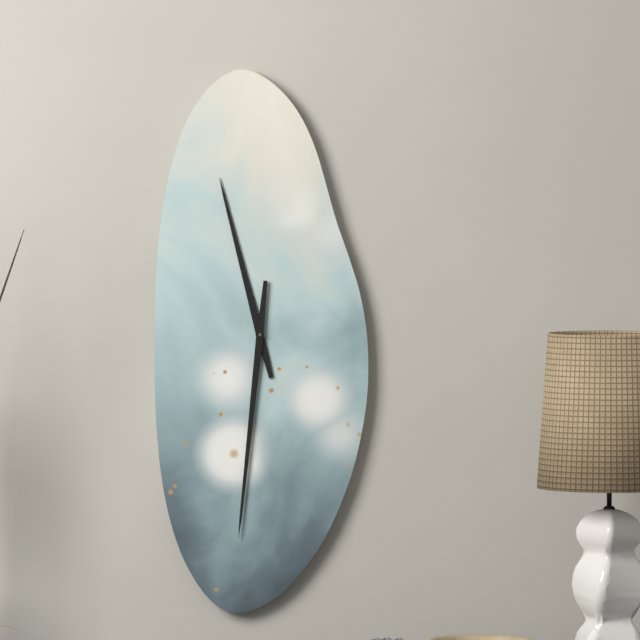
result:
11.31
